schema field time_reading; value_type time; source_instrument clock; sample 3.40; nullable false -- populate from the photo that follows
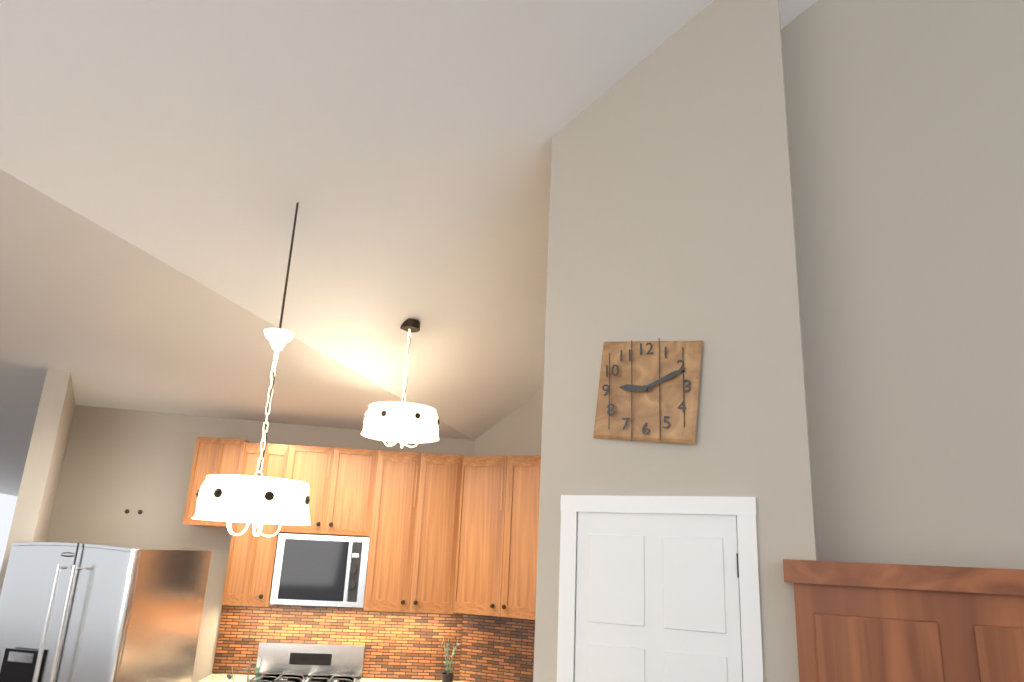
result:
9.11
